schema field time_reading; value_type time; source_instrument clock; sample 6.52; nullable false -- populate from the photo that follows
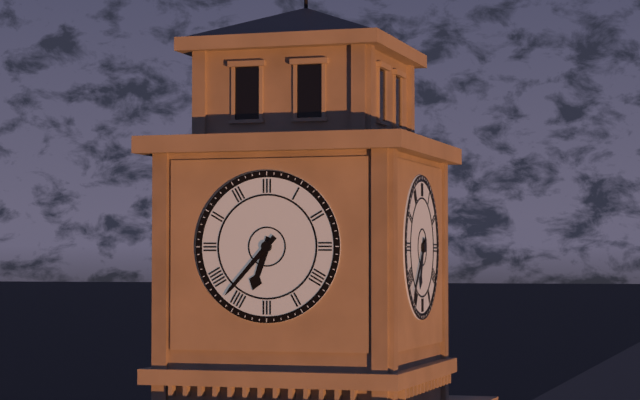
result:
6.37
